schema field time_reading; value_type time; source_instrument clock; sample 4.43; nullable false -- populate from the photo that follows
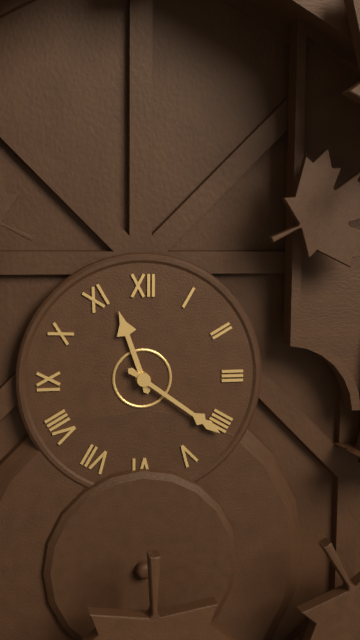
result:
11.21
